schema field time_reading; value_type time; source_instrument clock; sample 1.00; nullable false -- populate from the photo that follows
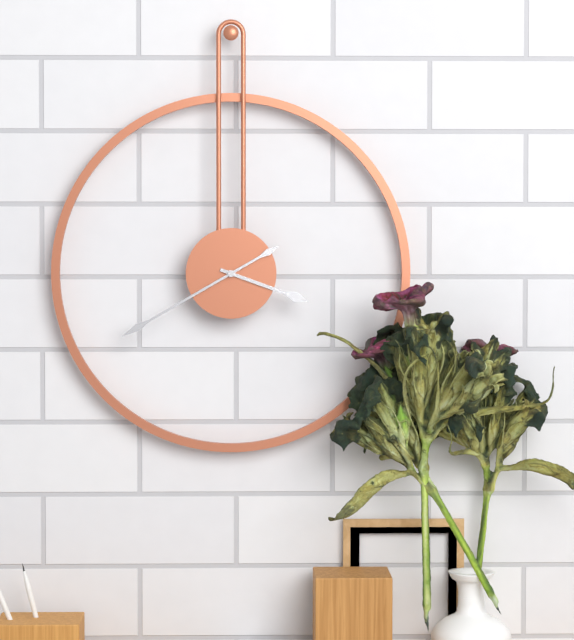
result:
3.40
